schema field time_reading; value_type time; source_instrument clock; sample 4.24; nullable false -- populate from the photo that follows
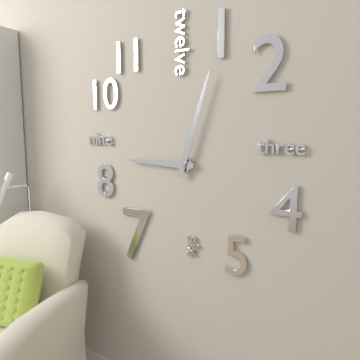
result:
9.03
